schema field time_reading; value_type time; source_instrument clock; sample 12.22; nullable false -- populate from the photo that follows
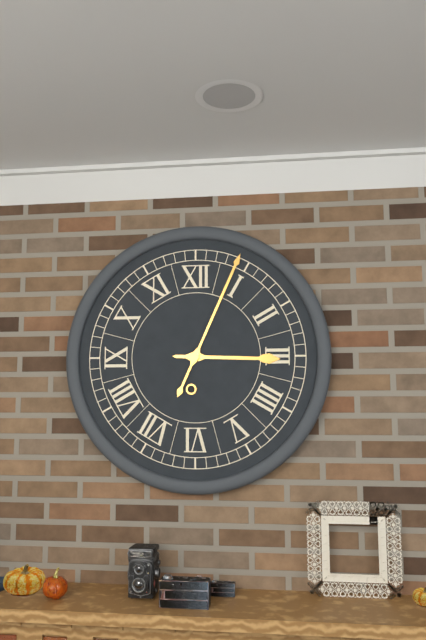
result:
3.04
